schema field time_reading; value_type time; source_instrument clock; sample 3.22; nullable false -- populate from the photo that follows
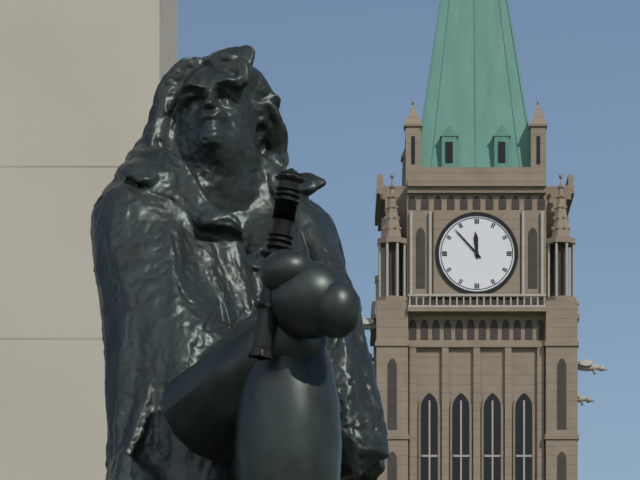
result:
11.53
